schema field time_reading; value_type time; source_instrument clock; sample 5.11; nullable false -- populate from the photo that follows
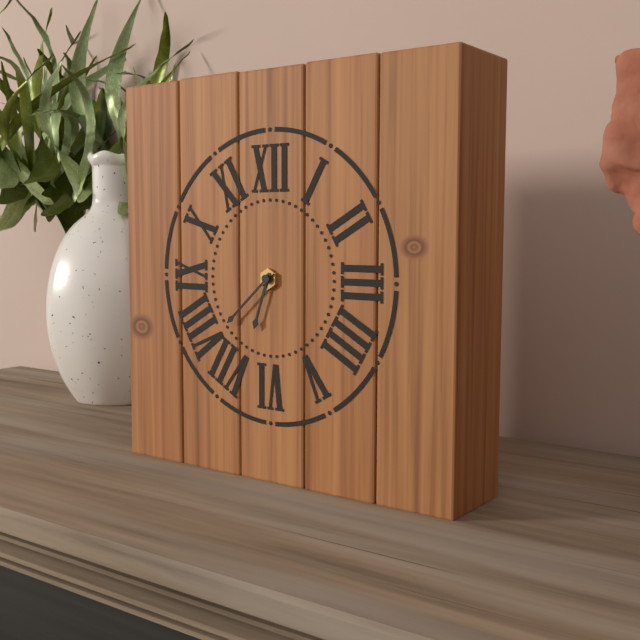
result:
6.38
